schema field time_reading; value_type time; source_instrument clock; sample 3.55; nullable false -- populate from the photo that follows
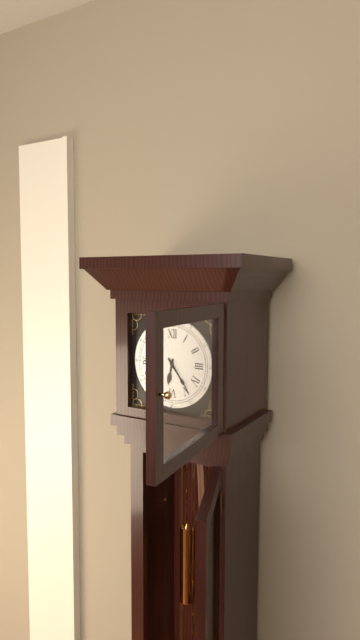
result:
6.24
